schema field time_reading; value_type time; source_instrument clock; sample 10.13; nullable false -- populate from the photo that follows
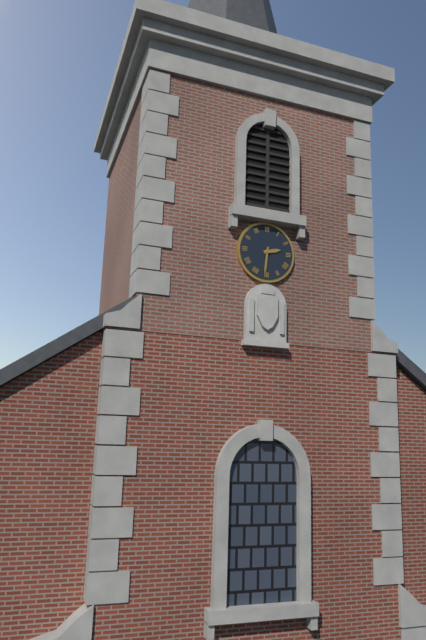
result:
2.31
